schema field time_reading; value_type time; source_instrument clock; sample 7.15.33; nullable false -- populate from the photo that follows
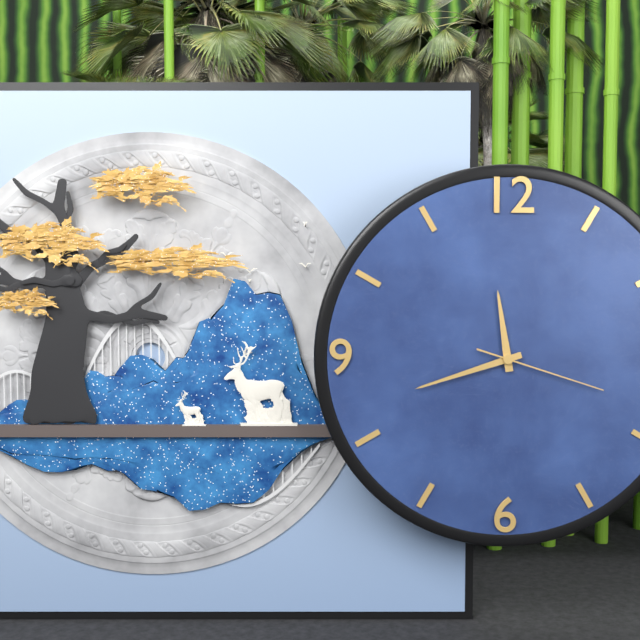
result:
11.42.18
